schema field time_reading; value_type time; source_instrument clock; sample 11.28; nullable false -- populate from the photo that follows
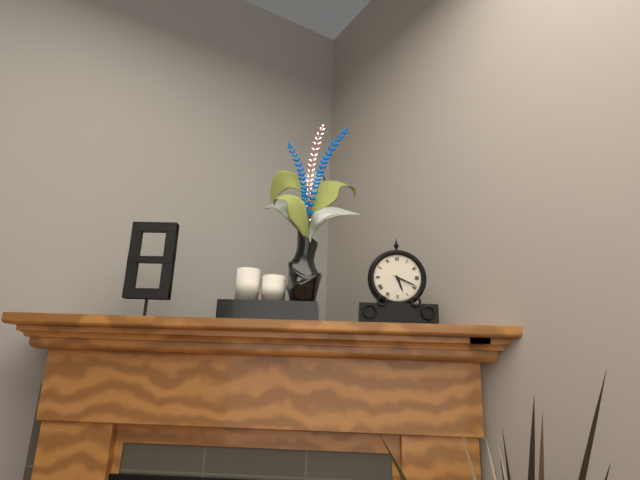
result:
5.19
